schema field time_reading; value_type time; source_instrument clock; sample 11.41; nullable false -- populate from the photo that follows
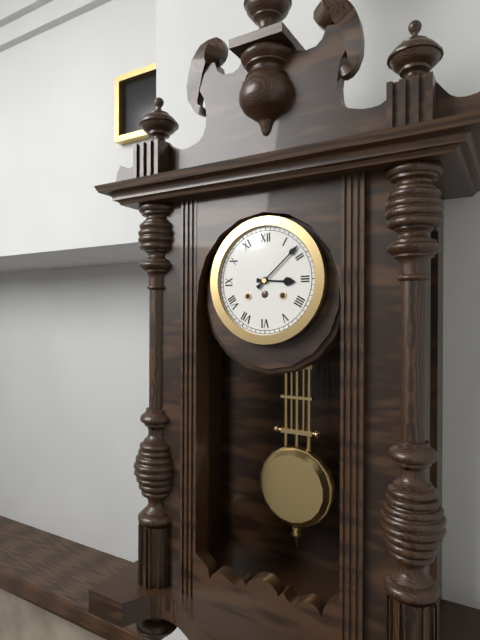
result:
3.08
